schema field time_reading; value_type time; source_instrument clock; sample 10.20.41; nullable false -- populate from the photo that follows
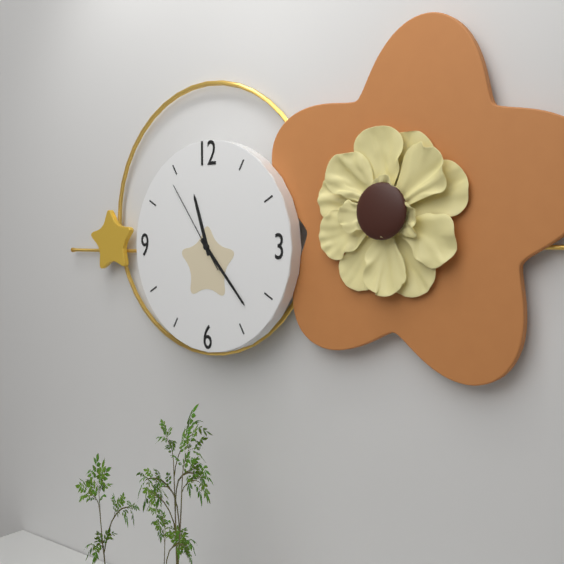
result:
11.23.54
